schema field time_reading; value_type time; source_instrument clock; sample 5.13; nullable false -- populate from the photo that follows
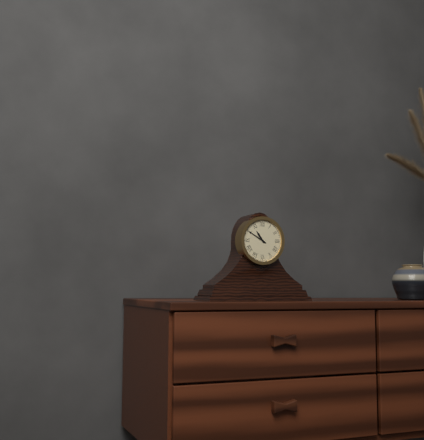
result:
10.50
